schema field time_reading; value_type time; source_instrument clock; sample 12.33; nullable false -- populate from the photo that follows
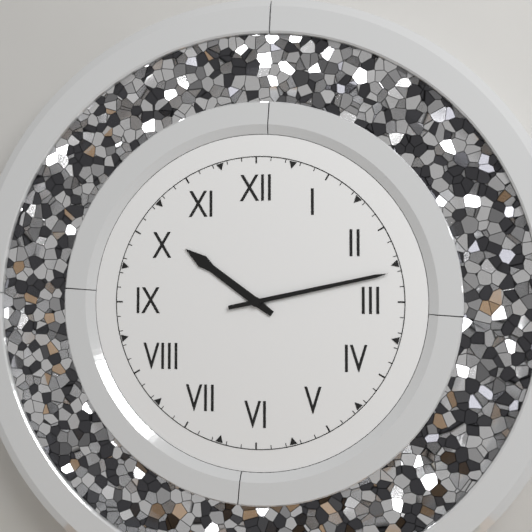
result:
10.13
